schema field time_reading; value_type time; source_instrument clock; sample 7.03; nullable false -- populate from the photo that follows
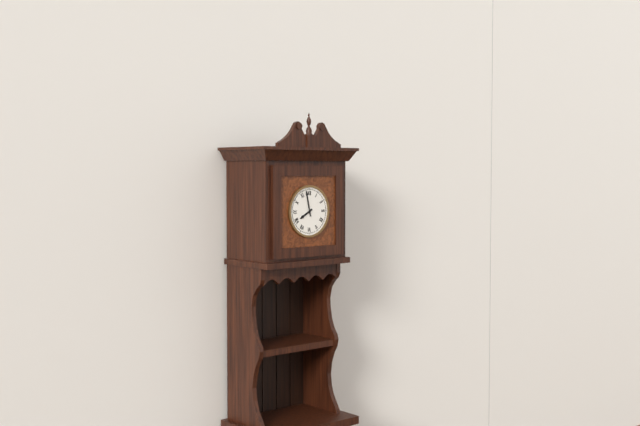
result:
7.58
